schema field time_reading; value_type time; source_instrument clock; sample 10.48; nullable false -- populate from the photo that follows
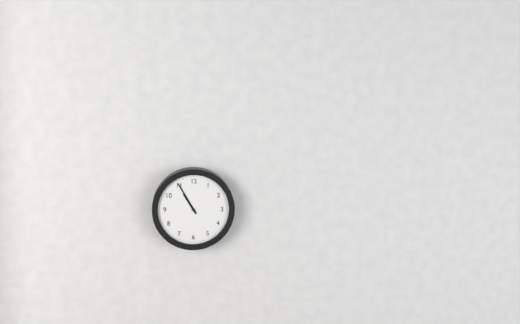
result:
10.55
